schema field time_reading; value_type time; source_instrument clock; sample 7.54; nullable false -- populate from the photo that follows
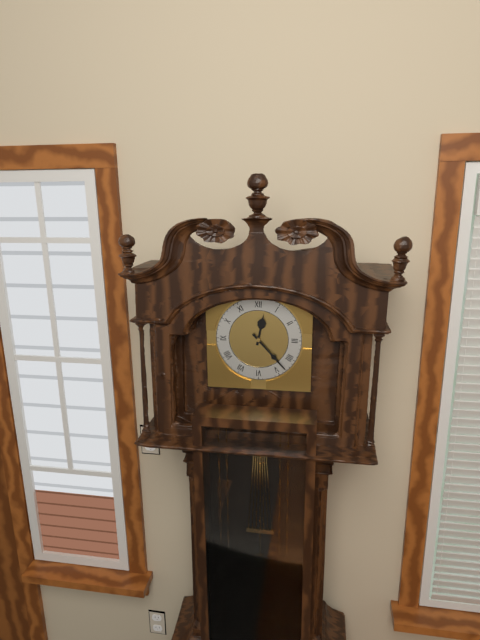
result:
12.23
